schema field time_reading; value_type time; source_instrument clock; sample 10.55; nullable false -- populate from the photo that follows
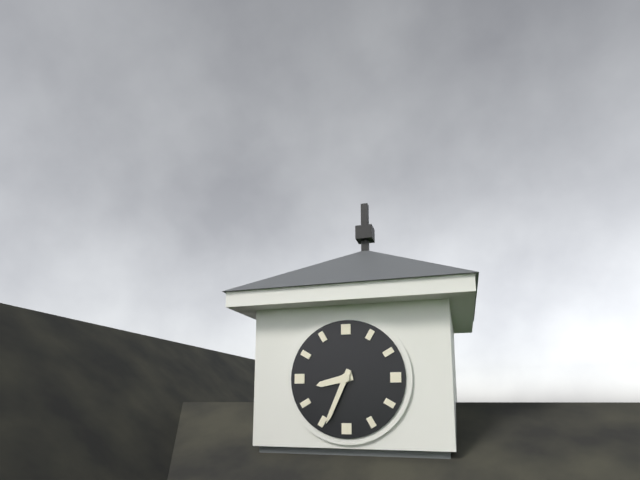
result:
8.34
